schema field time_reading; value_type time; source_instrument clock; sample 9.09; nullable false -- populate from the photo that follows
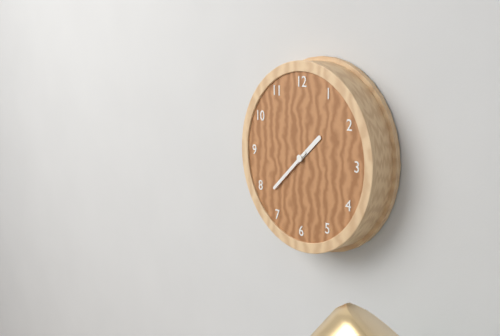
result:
1.38
